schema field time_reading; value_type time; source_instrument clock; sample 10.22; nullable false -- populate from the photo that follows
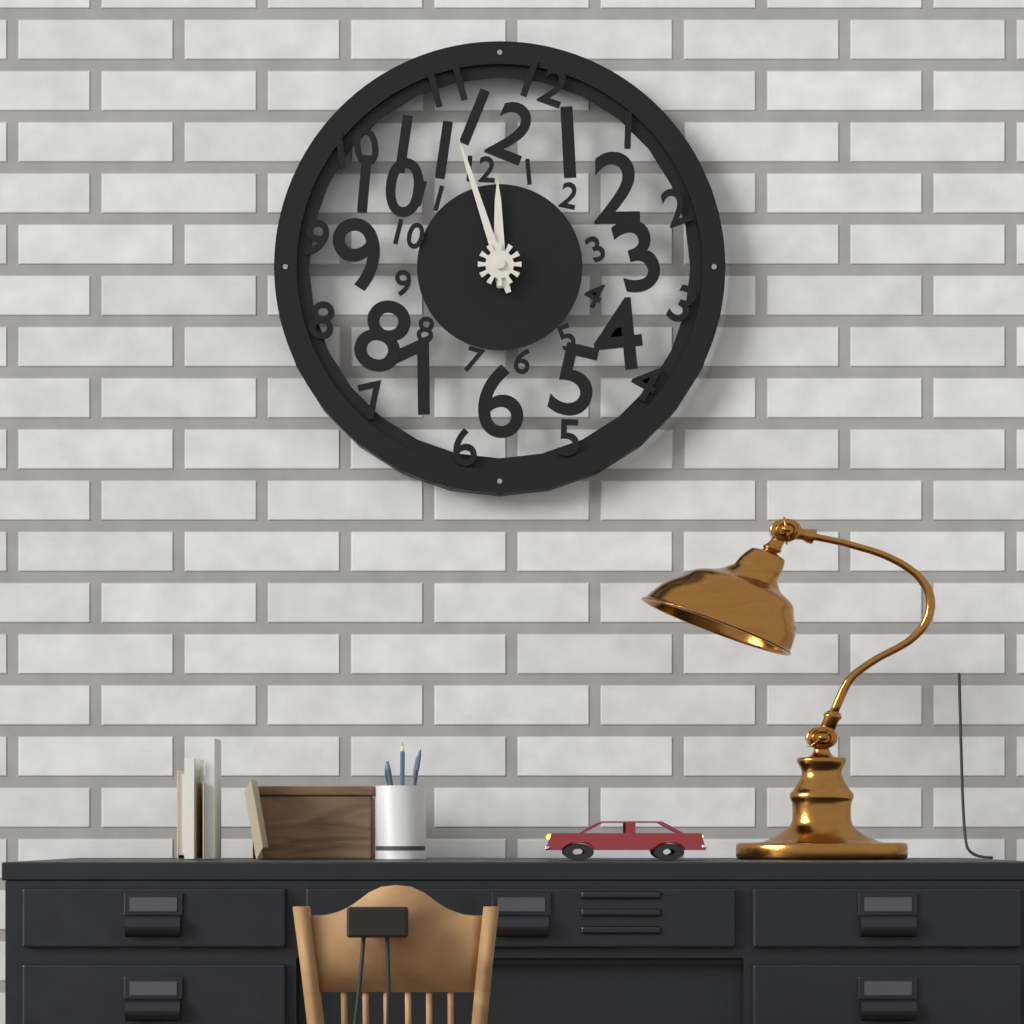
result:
11.57
